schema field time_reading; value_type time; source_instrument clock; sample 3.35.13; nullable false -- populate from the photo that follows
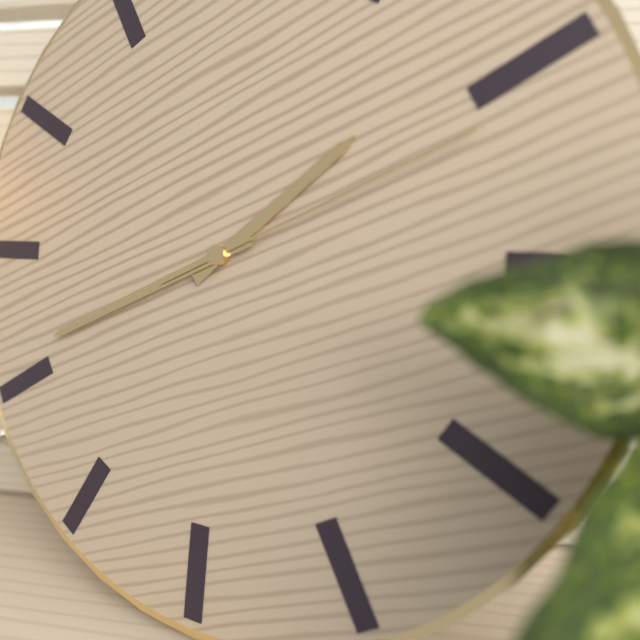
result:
1.41.11
